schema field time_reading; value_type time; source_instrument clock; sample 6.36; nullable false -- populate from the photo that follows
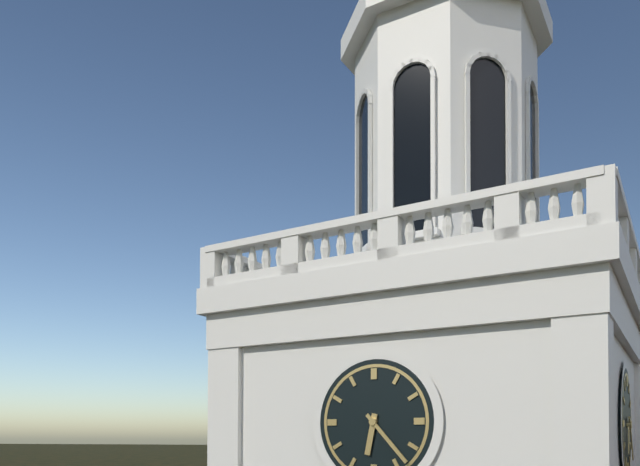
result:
6.23
